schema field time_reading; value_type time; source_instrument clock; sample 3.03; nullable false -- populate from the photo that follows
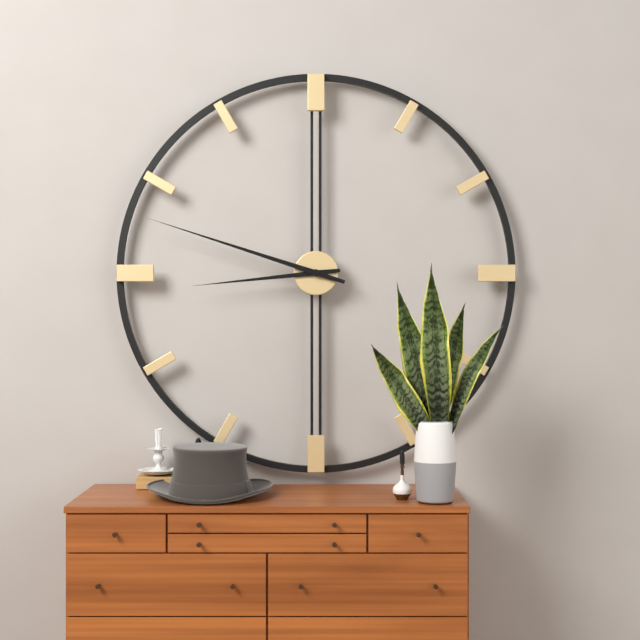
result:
8.48
